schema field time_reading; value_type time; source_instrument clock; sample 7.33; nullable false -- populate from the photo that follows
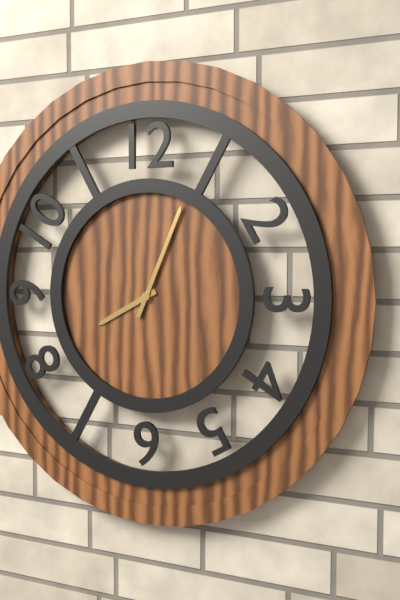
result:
8.04
